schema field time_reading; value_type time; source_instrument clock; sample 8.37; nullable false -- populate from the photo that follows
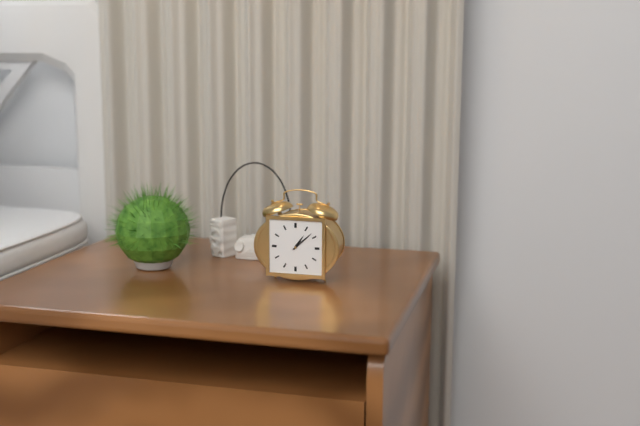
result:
1.08
